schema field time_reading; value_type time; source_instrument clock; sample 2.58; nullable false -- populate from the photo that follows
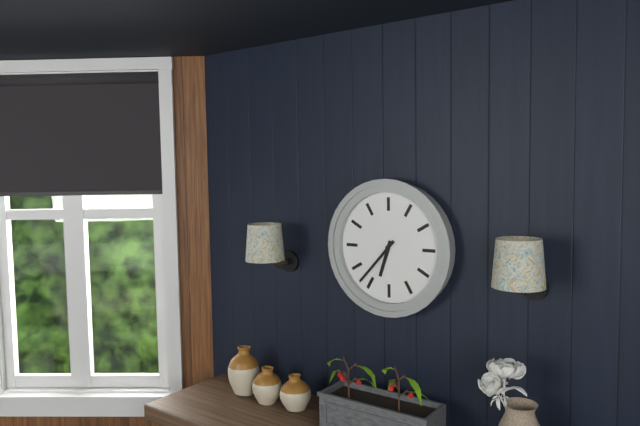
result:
6.37
